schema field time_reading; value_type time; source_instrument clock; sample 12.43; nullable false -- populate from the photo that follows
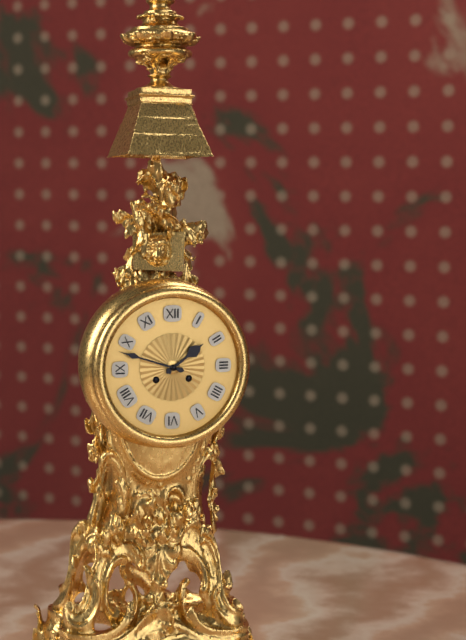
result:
1.48
